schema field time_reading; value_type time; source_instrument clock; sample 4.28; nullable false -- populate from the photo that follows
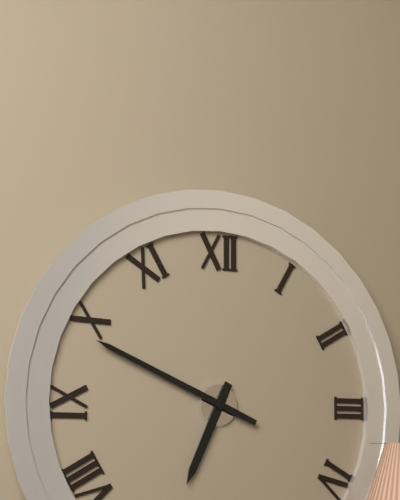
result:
6.49
